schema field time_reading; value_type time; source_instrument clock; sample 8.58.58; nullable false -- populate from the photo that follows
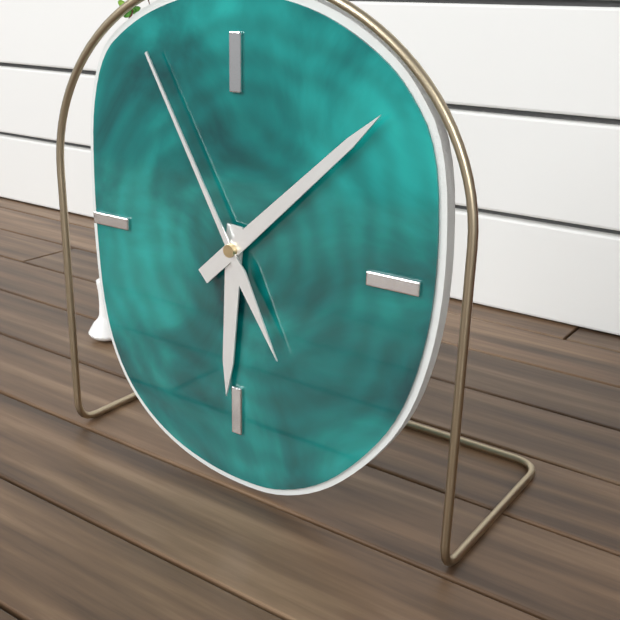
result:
6.08.55
